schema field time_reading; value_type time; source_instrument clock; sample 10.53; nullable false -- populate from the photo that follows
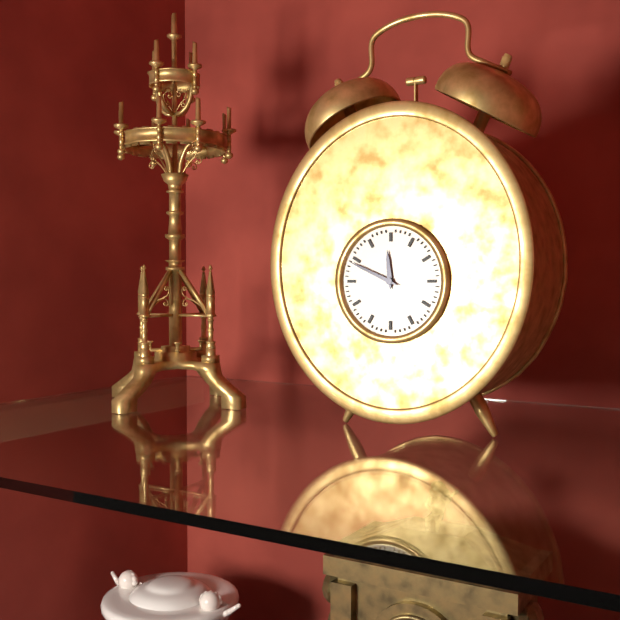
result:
11.49
